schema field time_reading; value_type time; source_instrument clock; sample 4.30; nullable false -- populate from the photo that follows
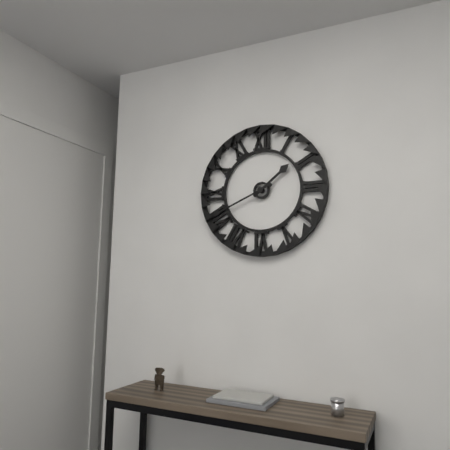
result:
1.41
